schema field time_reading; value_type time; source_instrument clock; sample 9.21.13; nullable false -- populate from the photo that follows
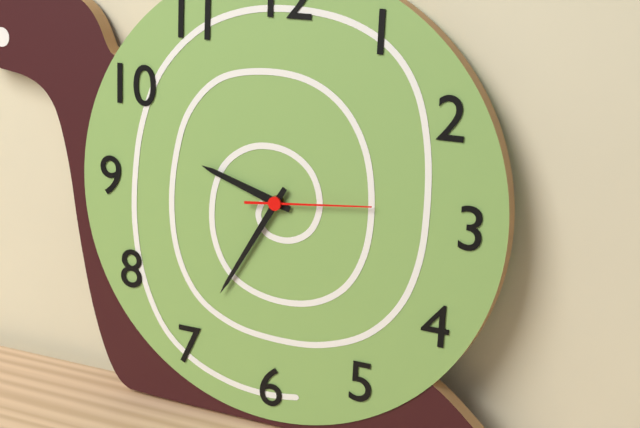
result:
9.35.14
